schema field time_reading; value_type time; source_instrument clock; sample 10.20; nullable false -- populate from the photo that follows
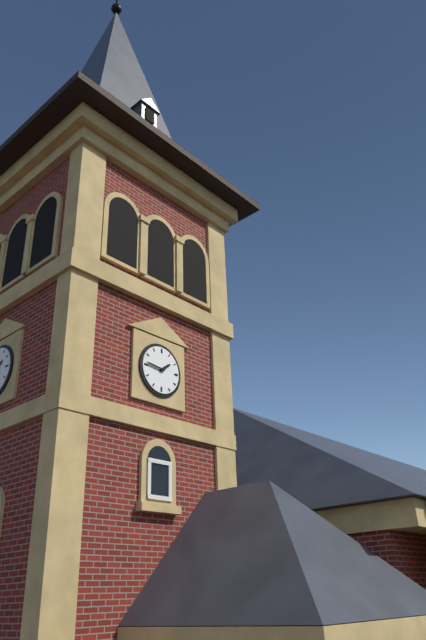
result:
1.46
